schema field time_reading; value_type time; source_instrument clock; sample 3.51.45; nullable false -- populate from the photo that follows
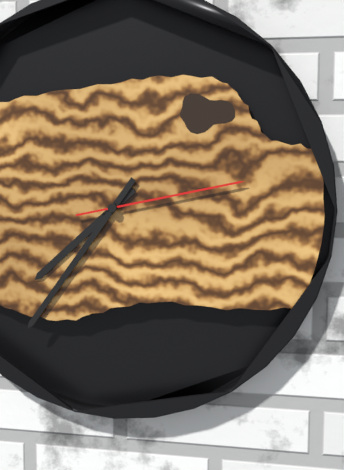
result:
7.36.13
